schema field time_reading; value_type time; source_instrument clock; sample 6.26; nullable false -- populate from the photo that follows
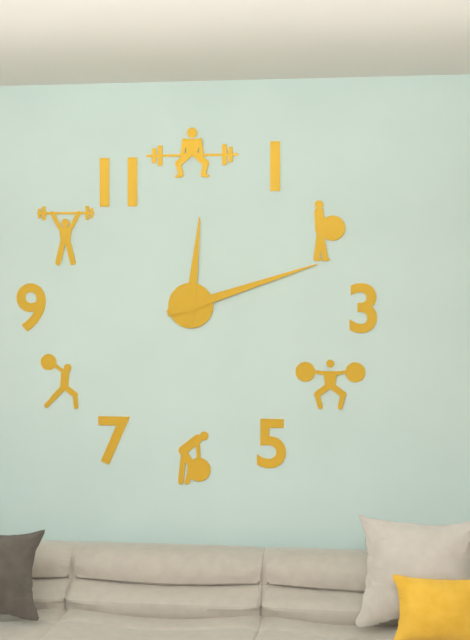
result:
12.12
